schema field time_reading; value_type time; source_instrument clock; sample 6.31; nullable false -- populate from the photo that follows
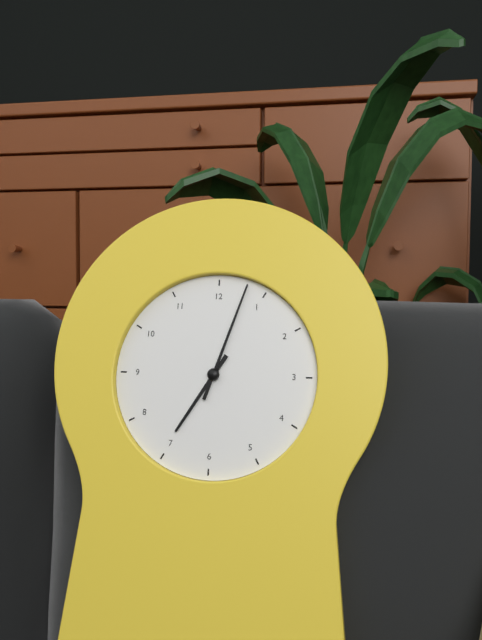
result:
7.03
